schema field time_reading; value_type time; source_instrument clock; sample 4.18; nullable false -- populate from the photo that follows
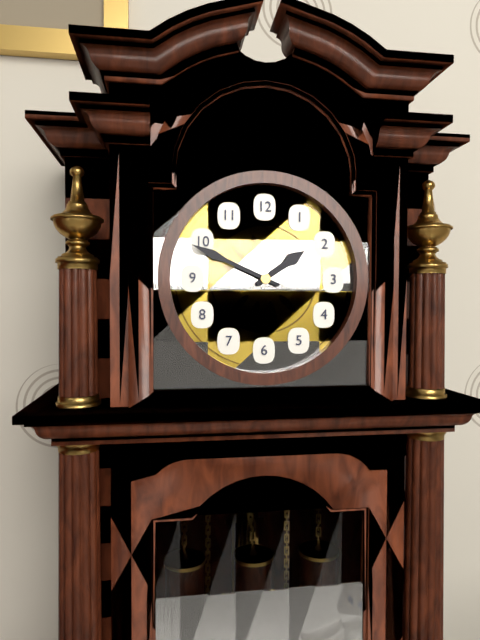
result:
1.49
